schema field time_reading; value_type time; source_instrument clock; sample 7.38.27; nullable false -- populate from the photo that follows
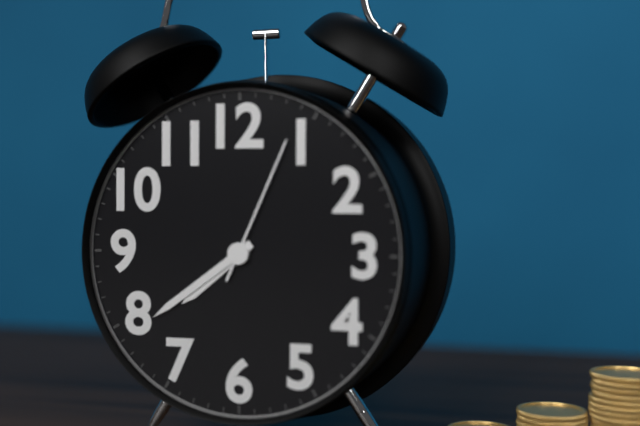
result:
7.39.04
